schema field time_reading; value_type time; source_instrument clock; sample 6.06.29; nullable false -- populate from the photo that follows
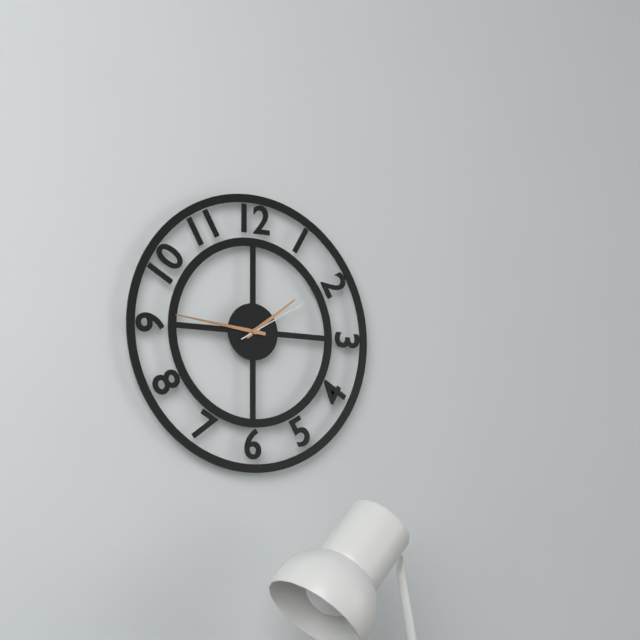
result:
1.46.10
